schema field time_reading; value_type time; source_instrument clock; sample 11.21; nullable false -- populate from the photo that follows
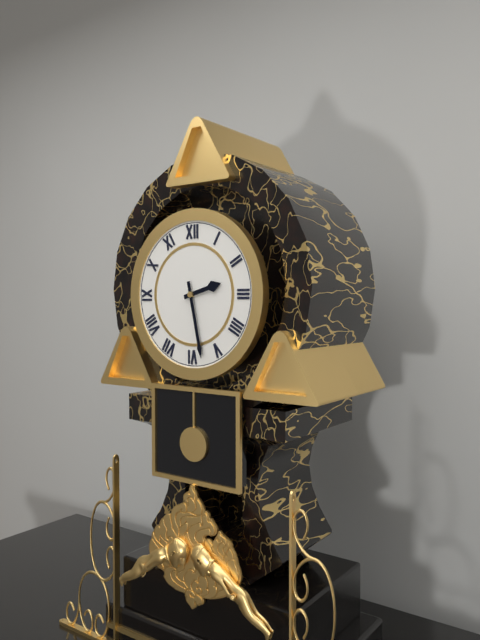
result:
2.28
